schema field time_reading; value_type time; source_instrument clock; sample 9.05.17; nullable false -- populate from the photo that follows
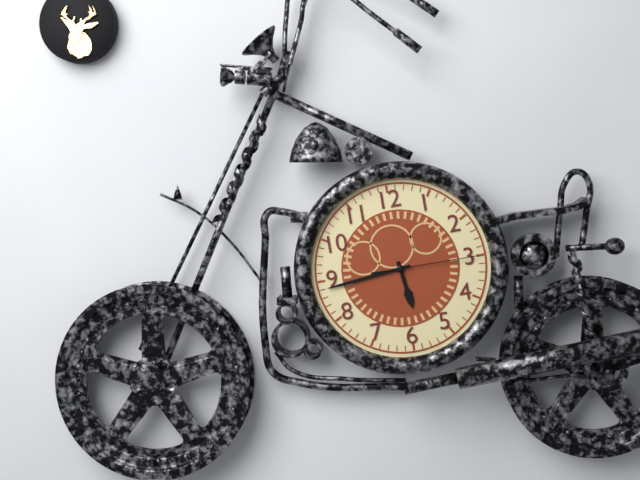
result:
5.44.15
